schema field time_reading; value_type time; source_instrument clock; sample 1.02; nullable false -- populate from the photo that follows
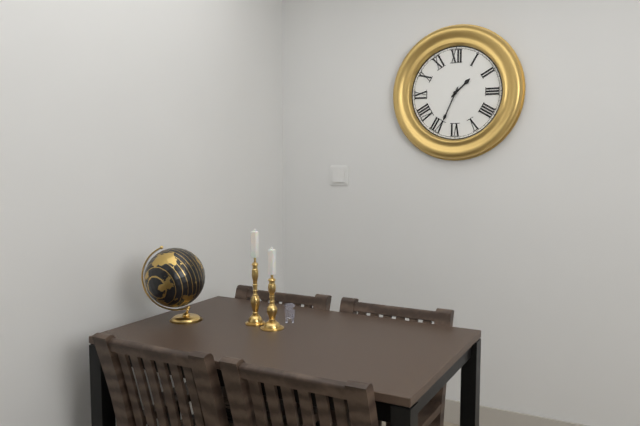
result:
1.34
